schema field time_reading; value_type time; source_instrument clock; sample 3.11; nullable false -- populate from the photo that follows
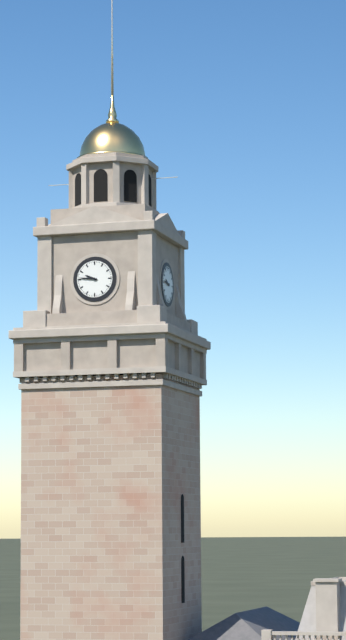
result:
9.46
